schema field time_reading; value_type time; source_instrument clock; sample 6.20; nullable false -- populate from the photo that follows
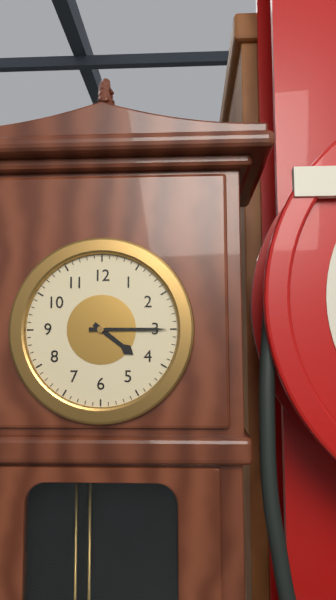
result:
4.15
